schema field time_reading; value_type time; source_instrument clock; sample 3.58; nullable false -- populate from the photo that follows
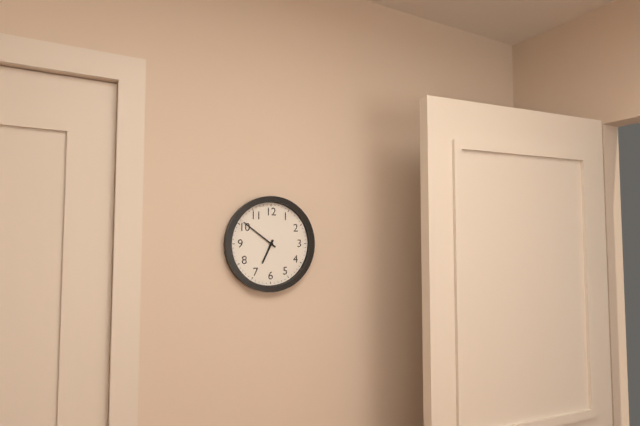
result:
6.51
